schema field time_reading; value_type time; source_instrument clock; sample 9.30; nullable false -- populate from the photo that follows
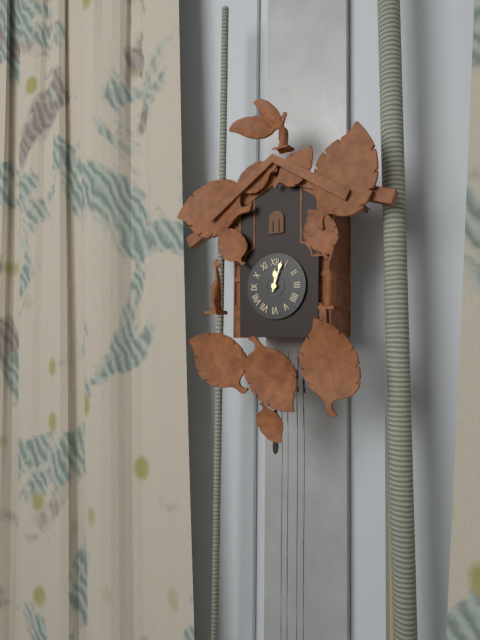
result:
12.03
